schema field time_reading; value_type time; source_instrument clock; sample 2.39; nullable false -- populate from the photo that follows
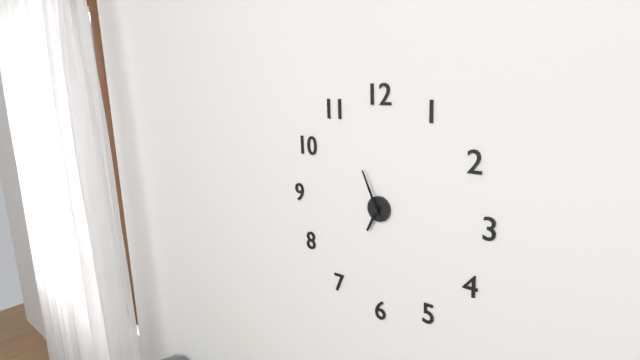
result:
6.56
